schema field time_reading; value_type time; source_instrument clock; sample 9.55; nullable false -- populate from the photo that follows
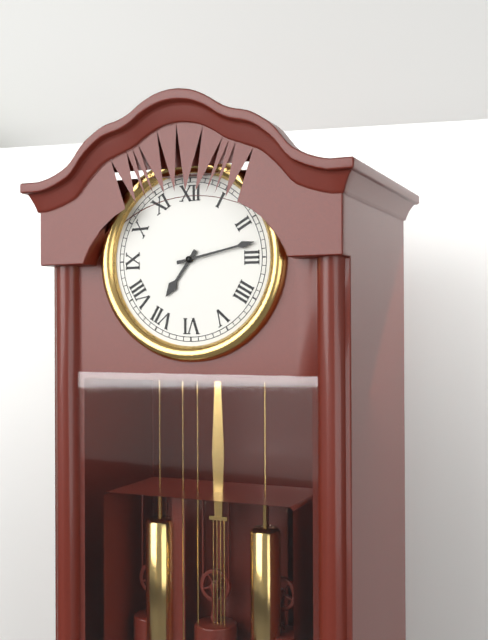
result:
7.13
